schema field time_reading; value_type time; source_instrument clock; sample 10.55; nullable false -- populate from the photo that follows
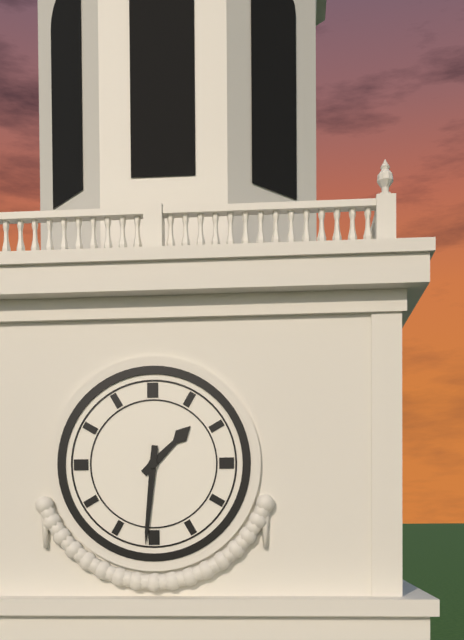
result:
1.31
